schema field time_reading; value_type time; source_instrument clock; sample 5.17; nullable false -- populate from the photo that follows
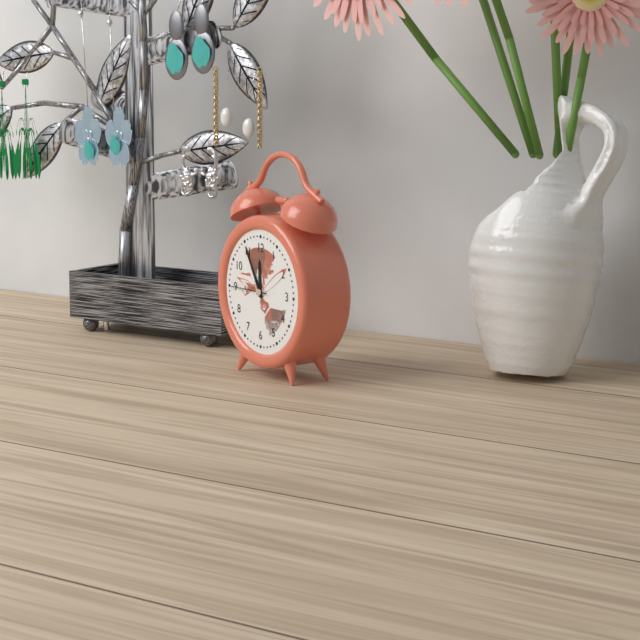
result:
11.55
